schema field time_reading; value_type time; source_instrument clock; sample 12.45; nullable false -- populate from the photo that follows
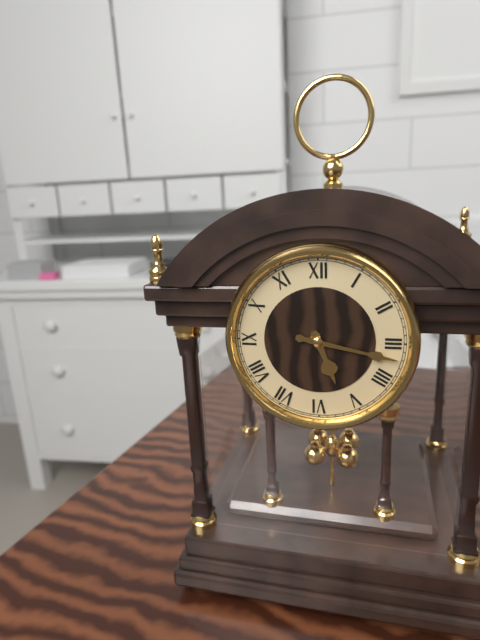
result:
5.17
